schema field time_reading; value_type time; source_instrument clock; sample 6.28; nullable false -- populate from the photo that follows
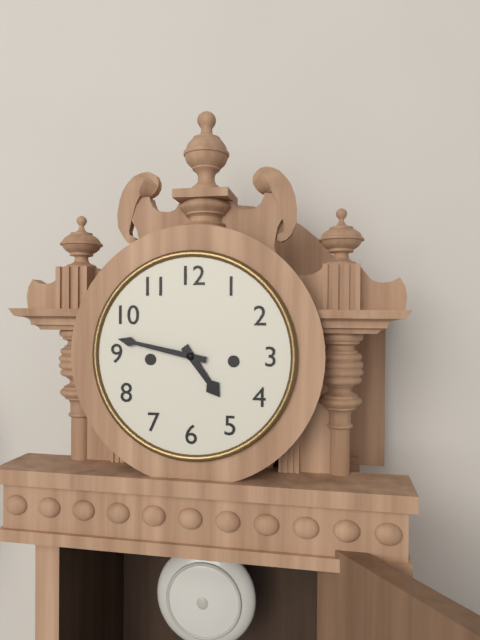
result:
4.47
